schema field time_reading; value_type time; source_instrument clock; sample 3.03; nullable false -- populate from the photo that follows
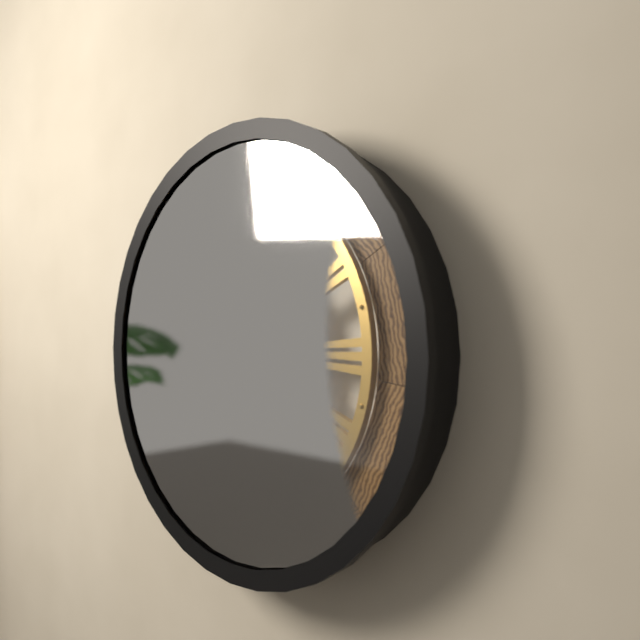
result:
12.44
